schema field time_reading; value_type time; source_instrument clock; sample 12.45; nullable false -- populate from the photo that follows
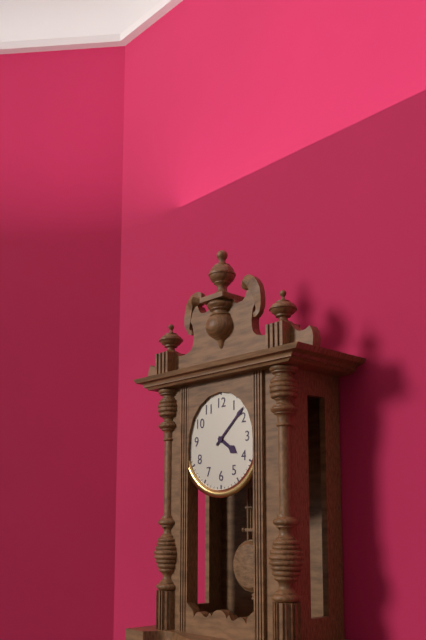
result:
4.08
